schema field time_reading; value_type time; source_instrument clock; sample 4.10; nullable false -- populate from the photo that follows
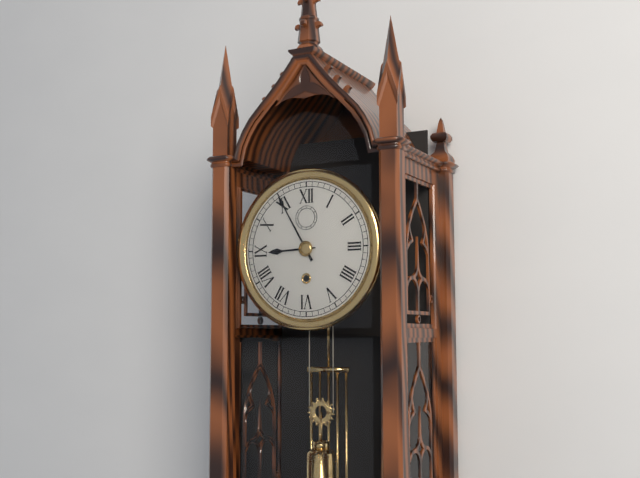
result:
8.55
